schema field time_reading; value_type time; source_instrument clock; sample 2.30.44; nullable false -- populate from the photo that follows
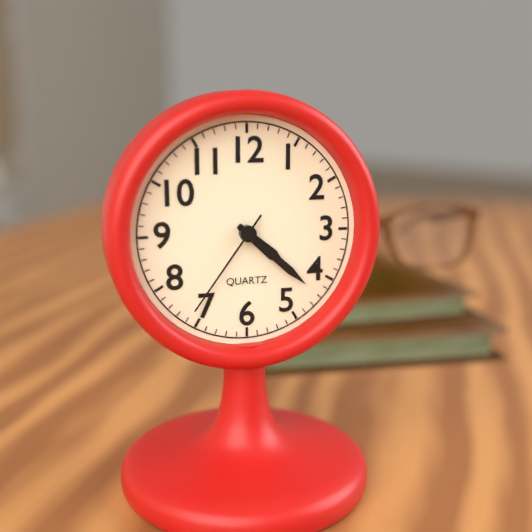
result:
4.22.36
